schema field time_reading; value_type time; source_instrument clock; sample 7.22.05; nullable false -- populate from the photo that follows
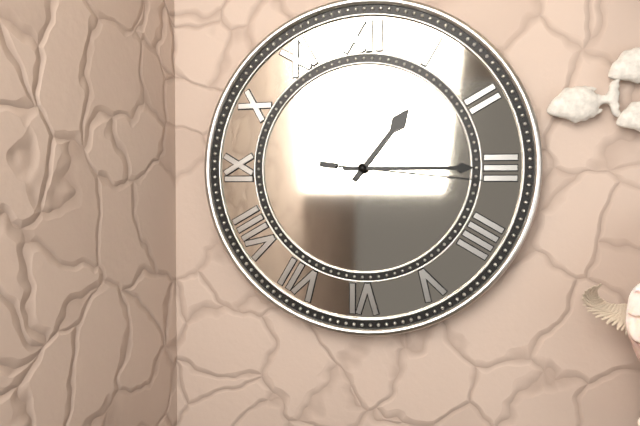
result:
1.15.16
